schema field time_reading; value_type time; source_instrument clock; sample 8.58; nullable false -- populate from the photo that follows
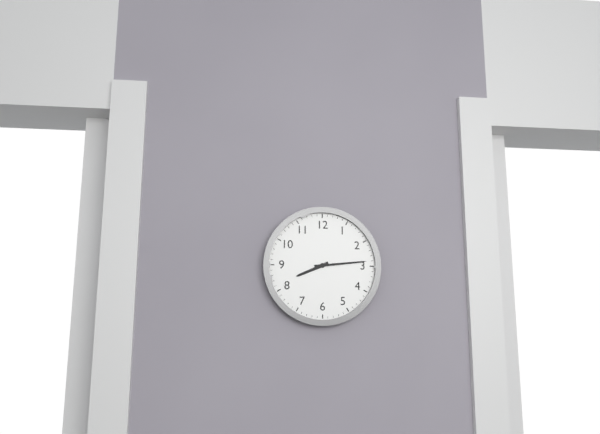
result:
8.14
